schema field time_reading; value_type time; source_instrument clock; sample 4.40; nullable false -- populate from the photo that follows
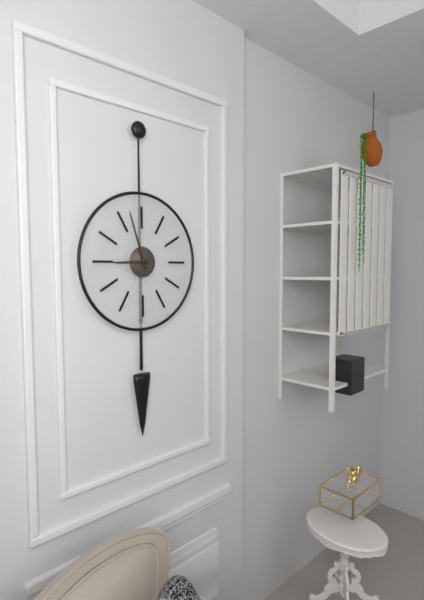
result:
8.57
